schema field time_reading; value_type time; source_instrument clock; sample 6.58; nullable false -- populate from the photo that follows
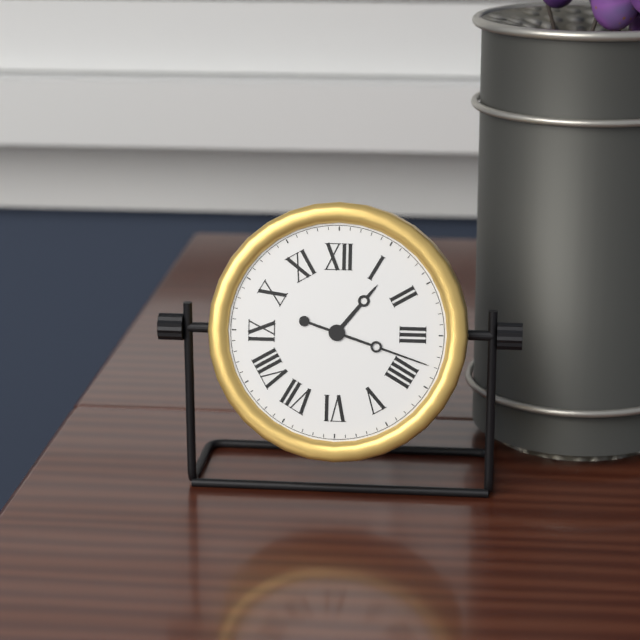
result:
1.18
